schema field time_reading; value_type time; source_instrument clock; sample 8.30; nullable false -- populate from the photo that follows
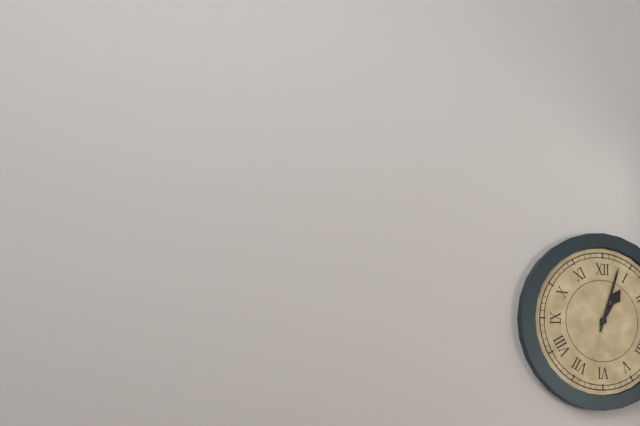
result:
1.03
